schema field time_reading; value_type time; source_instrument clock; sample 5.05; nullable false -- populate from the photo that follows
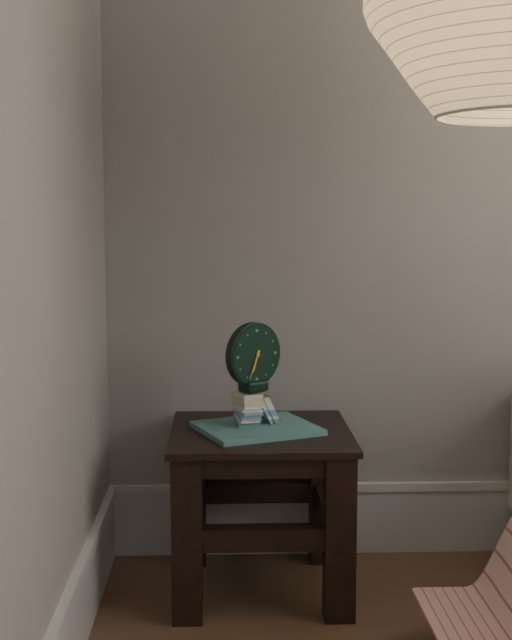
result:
6.34
